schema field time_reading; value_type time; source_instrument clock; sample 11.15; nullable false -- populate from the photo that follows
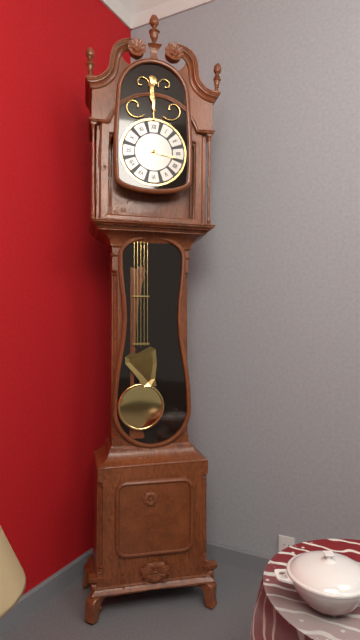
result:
6.17
